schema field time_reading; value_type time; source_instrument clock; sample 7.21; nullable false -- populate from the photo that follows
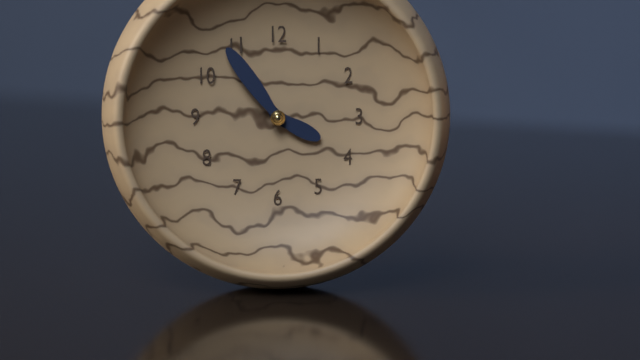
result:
3.54
